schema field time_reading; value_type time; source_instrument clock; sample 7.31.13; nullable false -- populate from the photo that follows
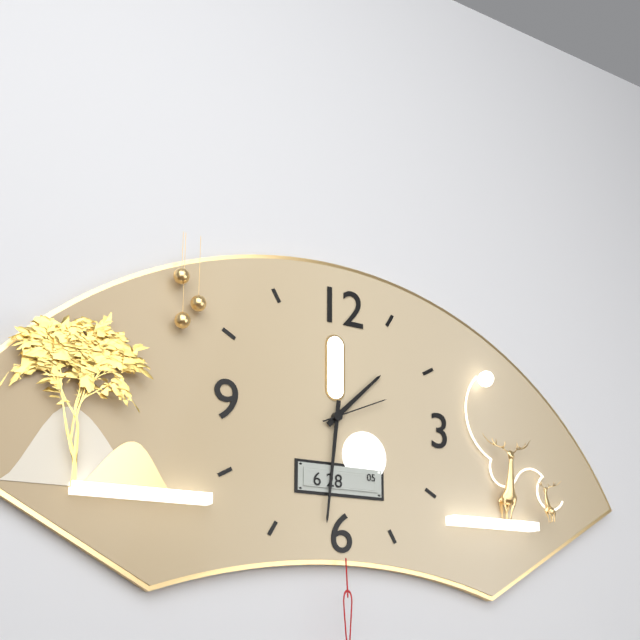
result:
1.31.11
